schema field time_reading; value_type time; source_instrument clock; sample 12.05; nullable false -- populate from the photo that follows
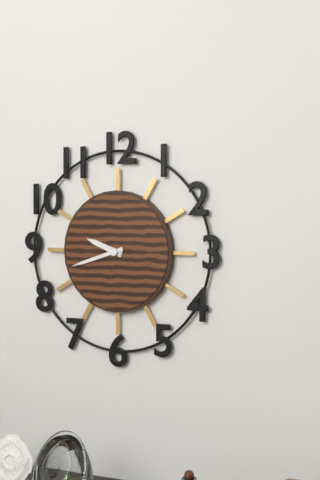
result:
9.42
